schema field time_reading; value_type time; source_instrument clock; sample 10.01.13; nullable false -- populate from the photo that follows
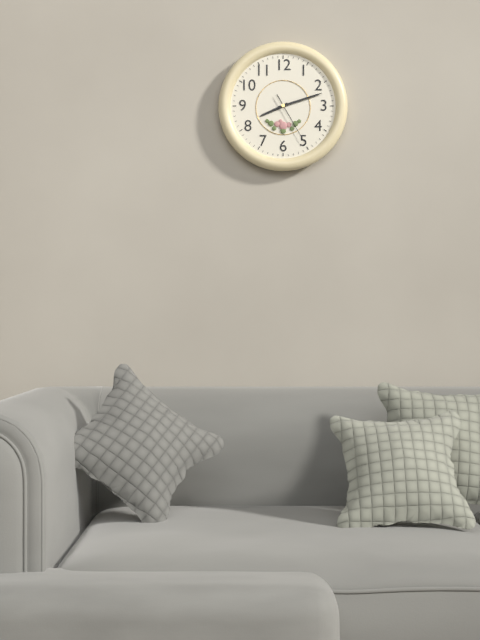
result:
8.12.25
